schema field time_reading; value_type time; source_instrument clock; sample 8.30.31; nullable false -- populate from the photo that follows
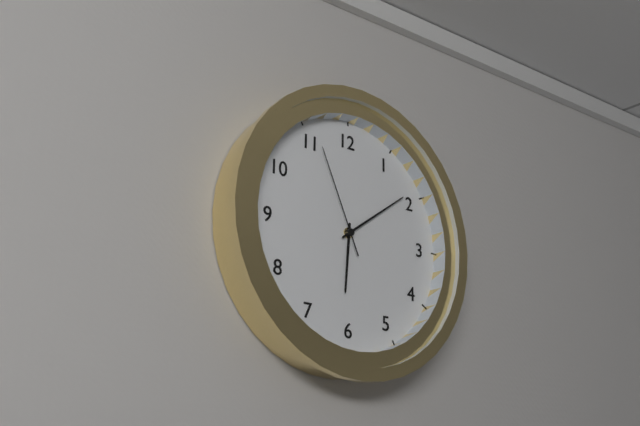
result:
6.09.56
